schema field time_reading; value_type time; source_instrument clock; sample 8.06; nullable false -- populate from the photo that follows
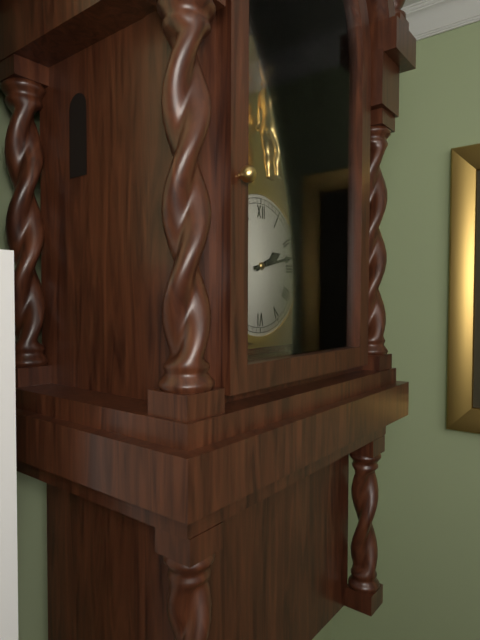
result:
2.13
